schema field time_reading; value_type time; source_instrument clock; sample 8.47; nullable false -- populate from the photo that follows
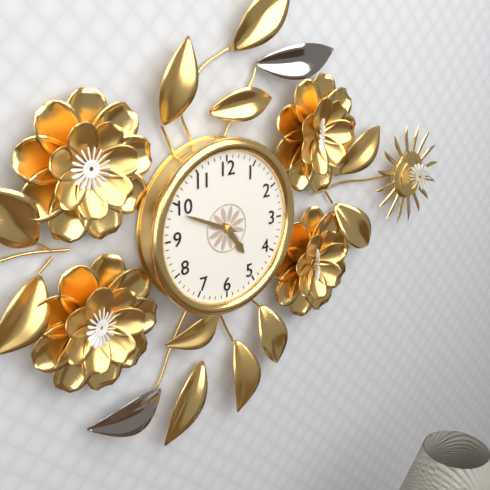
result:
4.49
